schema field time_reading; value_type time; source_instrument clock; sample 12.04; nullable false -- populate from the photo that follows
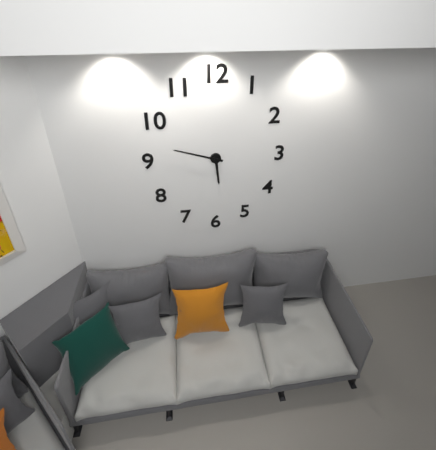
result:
5.48
